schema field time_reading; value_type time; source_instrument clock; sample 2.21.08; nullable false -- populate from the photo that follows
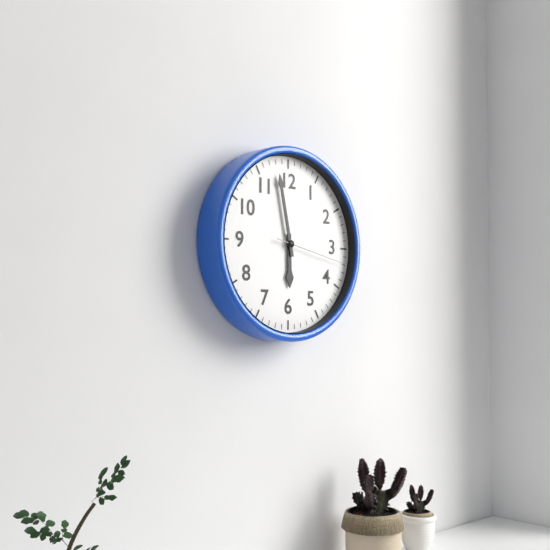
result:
5.58.17
